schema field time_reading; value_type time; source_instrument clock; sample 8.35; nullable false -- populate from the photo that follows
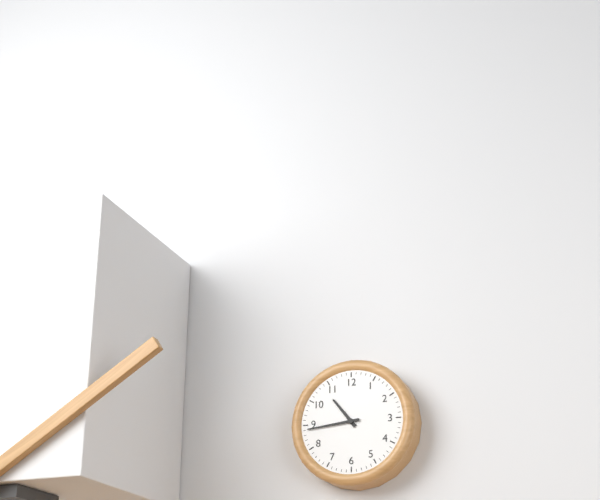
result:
10.44
